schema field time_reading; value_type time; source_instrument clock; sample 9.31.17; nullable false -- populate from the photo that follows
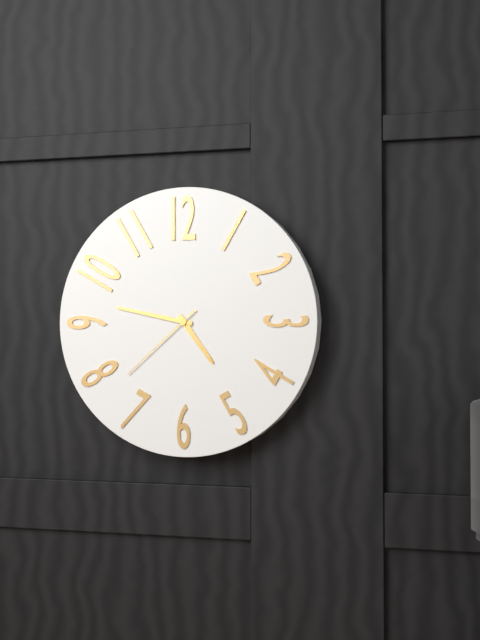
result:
4.47.38
